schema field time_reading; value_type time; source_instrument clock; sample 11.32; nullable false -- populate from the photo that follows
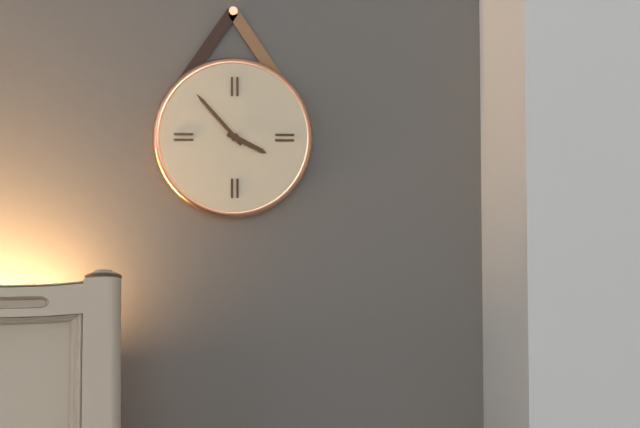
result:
3.53
